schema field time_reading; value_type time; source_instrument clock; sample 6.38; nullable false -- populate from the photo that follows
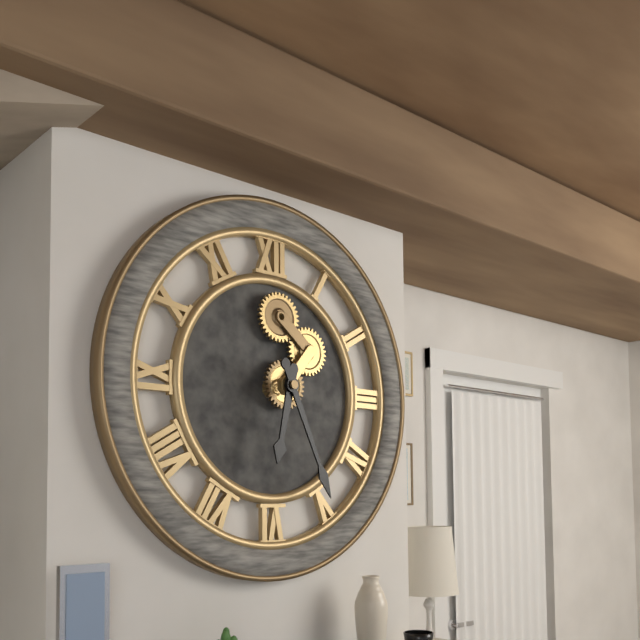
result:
6.26
